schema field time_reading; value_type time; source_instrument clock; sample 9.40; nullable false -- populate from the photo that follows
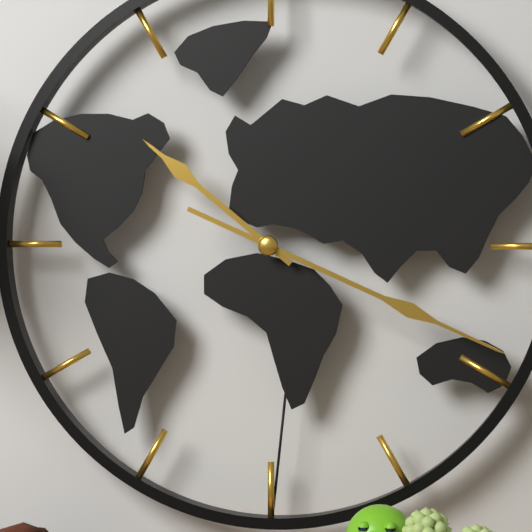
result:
10.19
